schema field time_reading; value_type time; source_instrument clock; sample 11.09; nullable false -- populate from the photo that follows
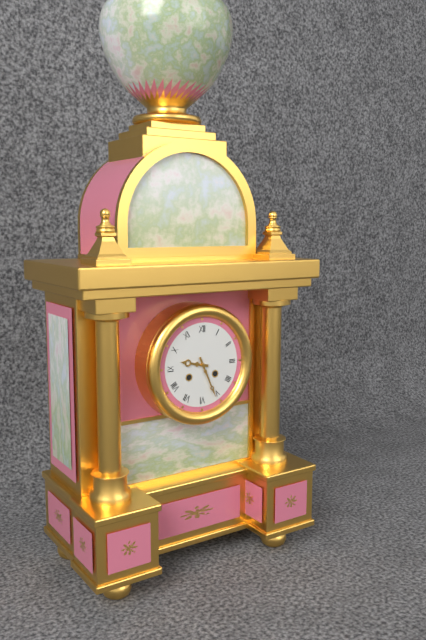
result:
9.26
